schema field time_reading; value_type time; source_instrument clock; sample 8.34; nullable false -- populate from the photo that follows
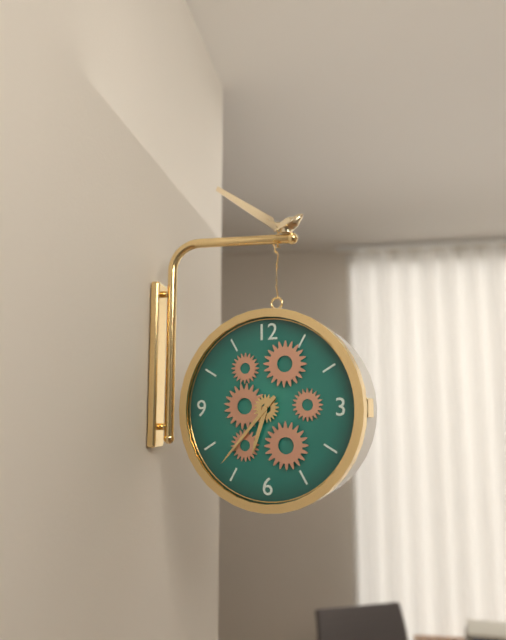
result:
6.37
